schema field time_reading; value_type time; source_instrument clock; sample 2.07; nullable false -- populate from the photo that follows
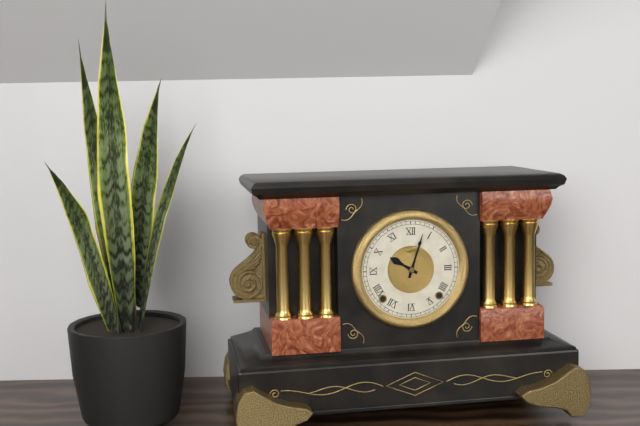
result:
10.03
